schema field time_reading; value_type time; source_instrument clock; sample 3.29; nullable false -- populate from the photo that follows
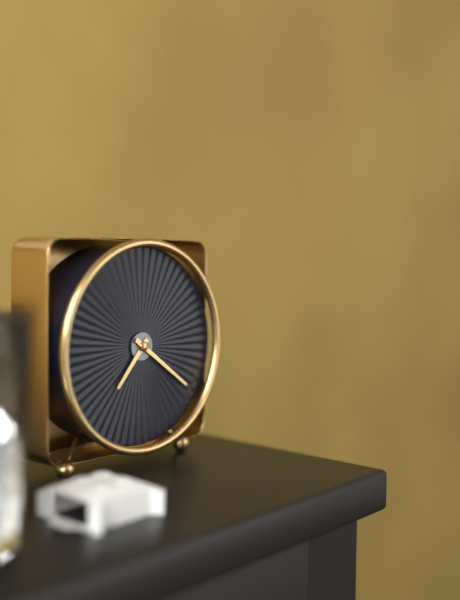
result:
7.21
